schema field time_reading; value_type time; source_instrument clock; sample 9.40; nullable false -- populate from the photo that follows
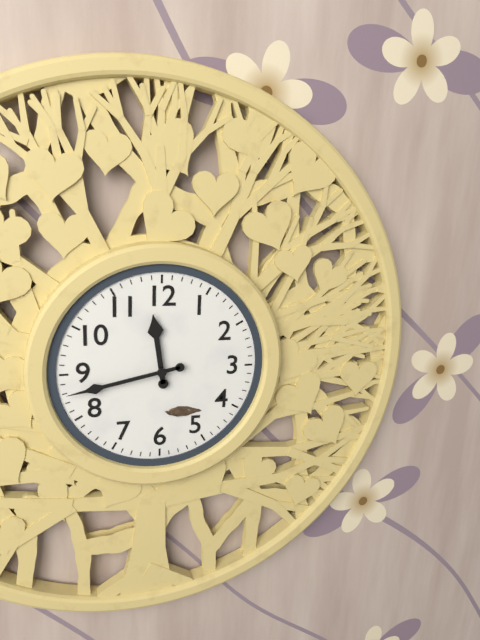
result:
11.43
